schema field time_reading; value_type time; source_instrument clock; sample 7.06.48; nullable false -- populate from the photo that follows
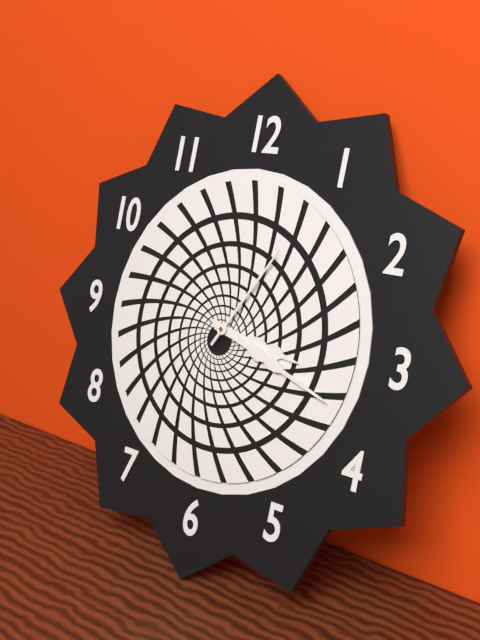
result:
3.18.05
